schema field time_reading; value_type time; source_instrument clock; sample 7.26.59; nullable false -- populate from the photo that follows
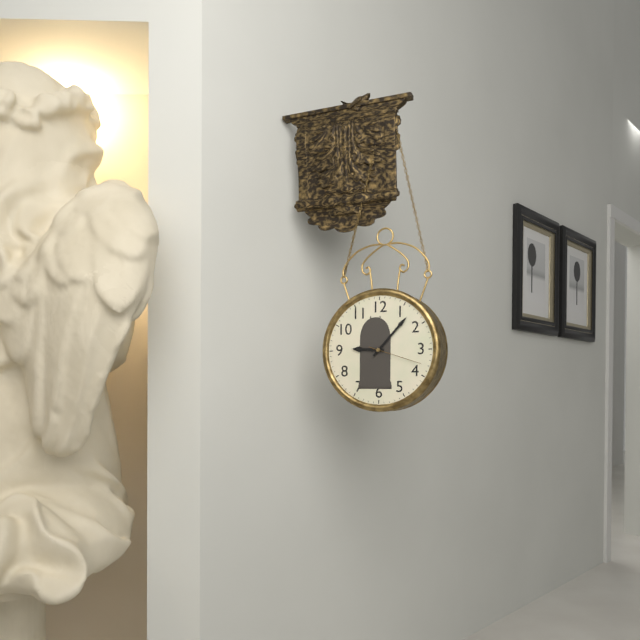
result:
9.07.18
